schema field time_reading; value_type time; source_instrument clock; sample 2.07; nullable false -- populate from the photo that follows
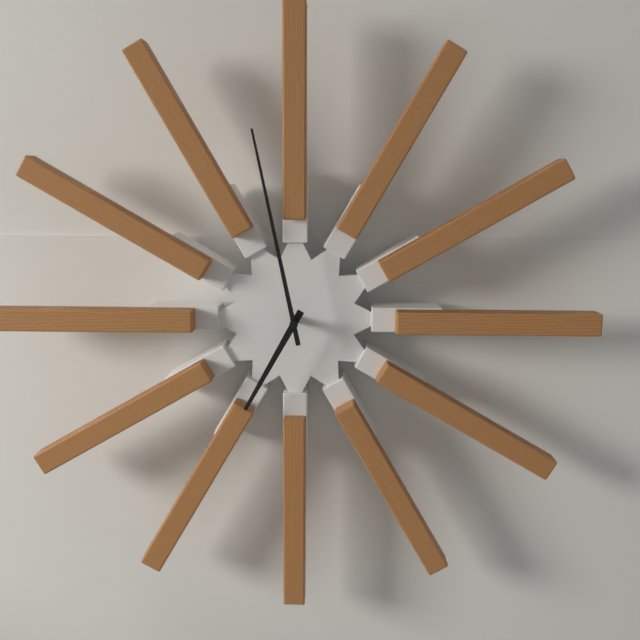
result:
6.58
